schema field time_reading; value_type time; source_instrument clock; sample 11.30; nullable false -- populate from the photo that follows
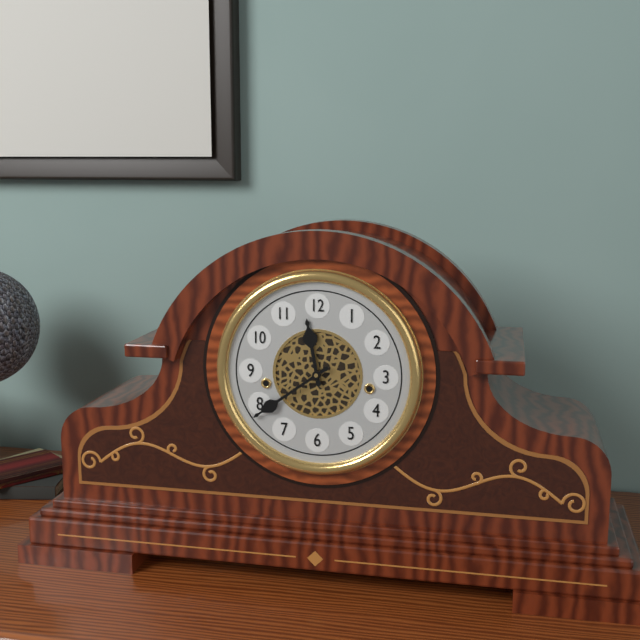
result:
11.39
